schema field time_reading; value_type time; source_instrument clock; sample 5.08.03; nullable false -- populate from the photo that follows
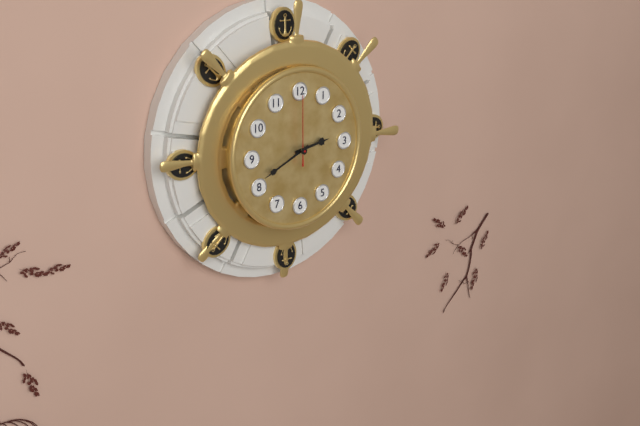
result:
2.41.00
